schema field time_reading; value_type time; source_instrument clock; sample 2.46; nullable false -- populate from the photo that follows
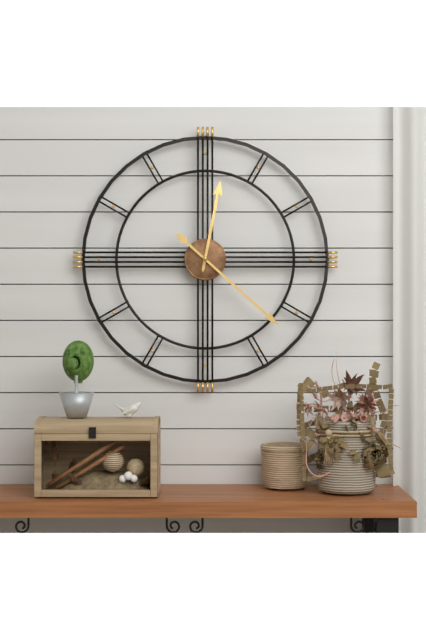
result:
12.22
